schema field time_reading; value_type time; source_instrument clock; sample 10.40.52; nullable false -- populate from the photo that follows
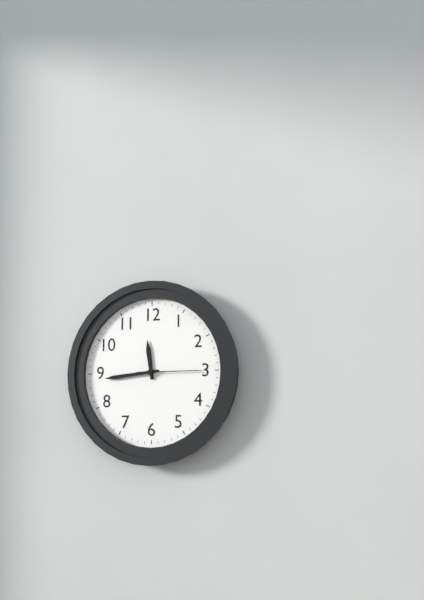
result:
11.44.15
